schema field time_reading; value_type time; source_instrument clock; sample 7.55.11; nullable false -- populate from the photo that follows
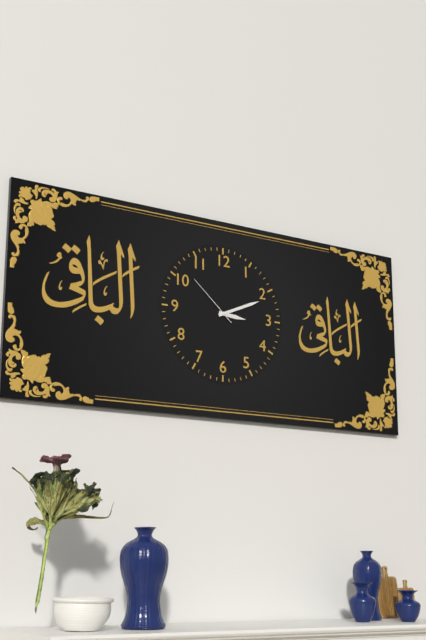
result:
3.11.52
